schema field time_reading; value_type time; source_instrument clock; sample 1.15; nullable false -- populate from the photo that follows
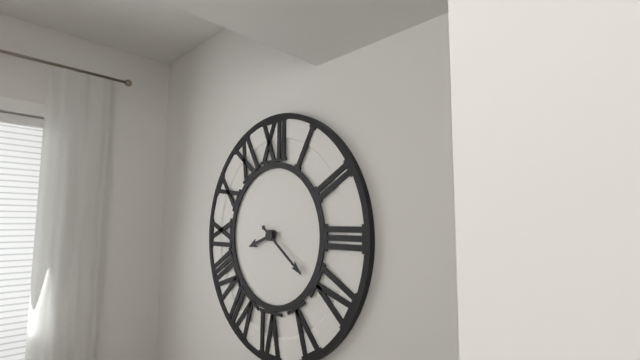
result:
8.21
